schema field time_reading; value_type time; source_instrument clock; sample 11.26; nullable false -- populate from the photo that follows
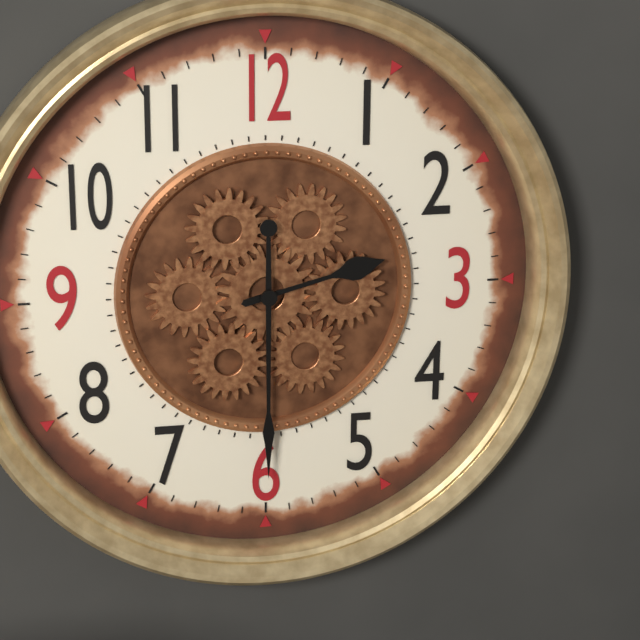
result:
2.30
